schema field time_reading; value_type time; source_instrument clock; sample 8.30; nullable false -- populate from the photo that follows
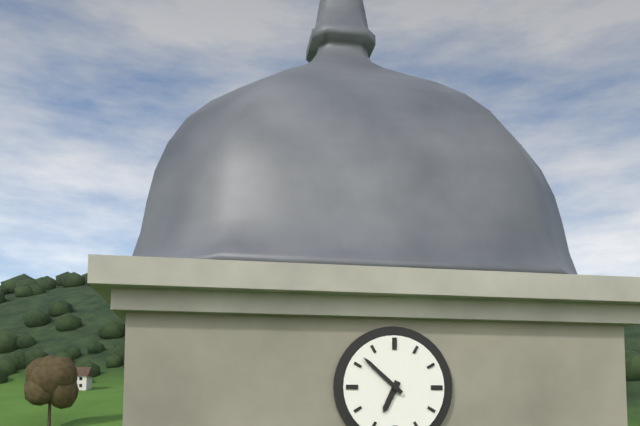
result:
6.52
